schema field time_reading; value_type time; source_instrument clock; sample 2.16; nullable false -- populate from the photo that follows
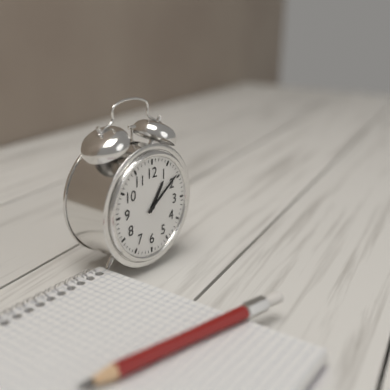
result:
1.09
